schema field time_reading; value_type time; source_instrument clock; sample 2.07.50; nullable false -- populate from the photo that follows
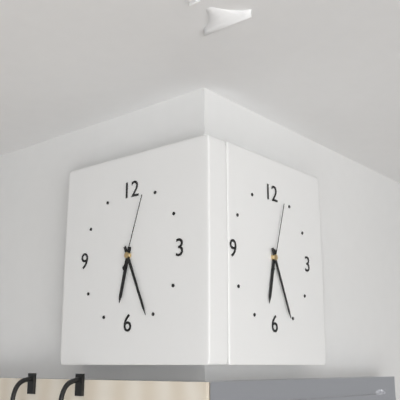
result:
6.26.03
